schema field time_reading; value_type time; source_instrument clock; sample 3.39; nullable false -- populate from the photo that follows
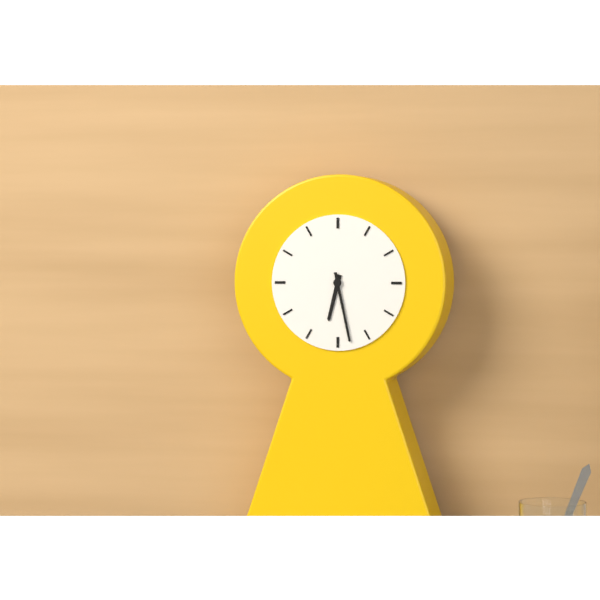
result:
6.28
